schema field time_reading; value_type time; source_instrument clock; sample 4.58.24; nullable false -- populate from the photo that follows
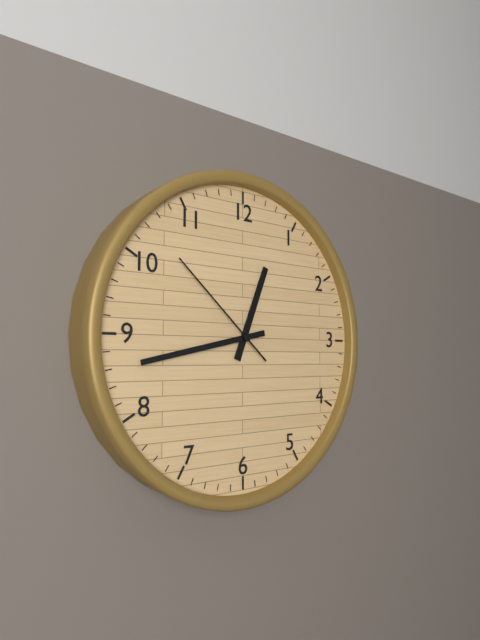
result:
12.43.52
